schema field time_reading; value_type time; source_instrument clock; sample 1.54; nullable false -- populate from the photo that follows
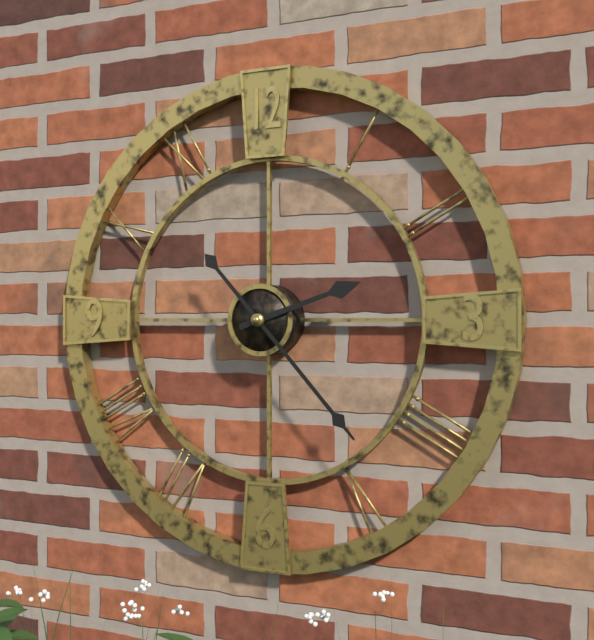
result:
2.23
